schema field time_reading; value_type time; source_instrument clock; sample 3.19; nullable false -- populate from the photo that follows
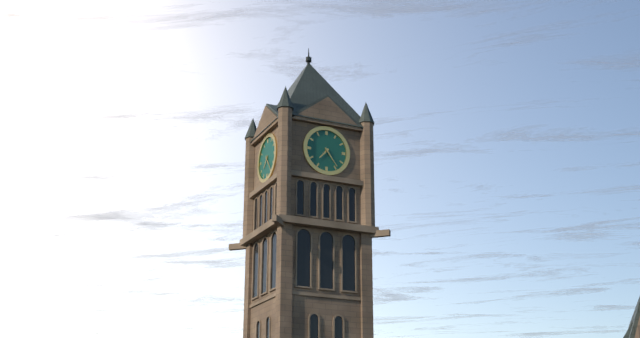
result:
7.24
